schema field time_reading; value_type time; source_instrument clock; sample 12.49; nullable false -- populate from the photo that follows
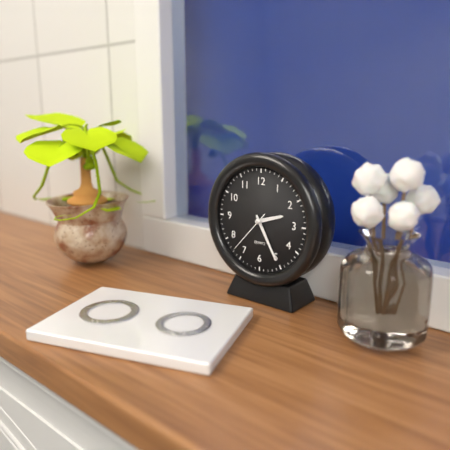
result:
2.25
